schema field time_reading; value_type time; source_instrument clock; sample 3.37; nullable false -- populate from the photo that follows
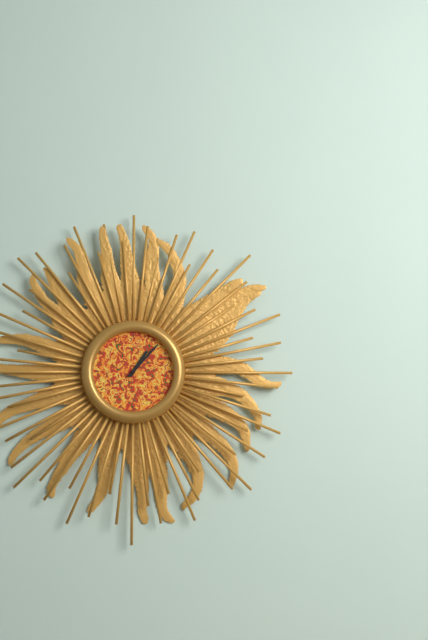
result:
1.07
